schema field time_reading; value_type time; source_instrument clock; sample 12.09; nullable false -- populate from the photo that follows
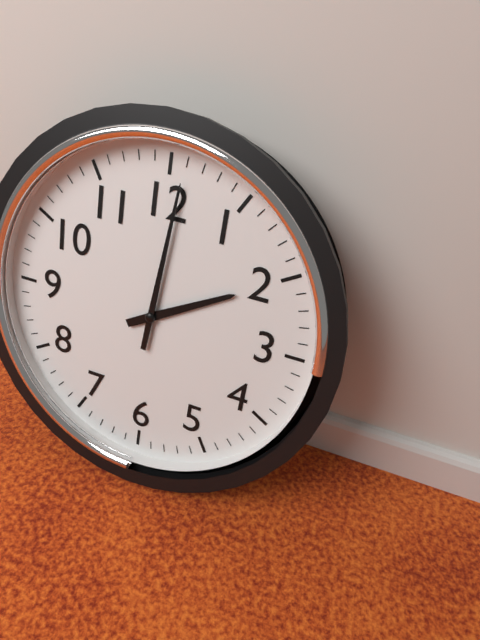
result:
2.01
